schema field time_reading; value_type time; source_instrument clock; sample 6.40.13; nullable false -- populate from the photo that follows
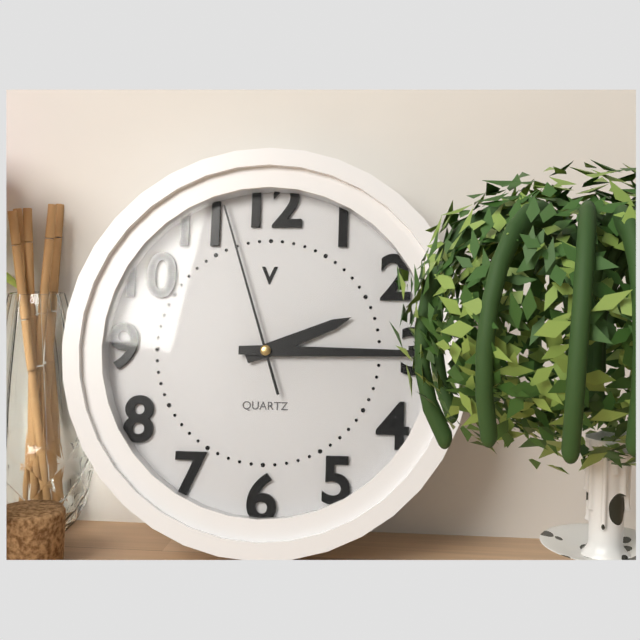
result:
2.15.57
